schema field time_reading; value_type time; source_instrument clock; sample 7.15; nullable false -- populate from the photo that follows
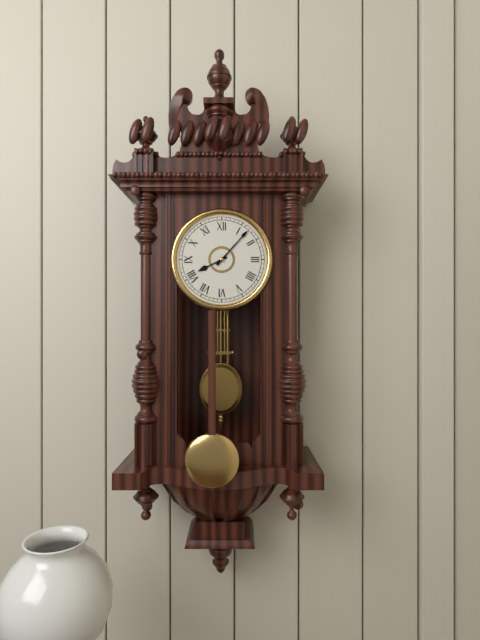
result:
8.07
